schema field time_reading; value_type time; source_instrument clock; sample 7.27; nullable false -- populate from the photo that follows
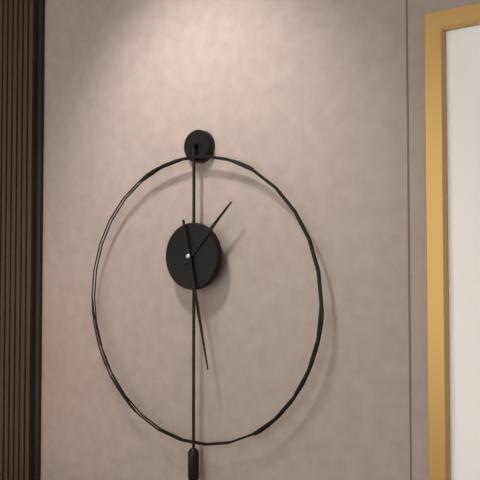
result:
1.28
